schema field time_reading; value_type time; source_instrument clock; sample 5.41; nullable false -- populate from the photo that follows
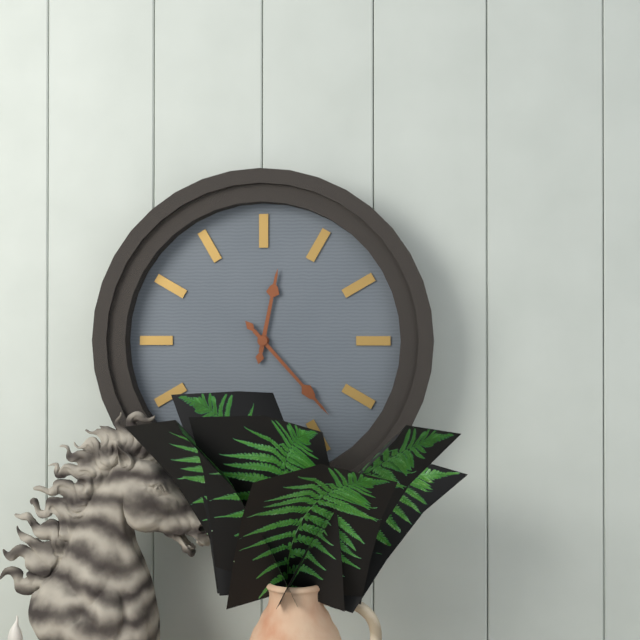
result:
12.23
